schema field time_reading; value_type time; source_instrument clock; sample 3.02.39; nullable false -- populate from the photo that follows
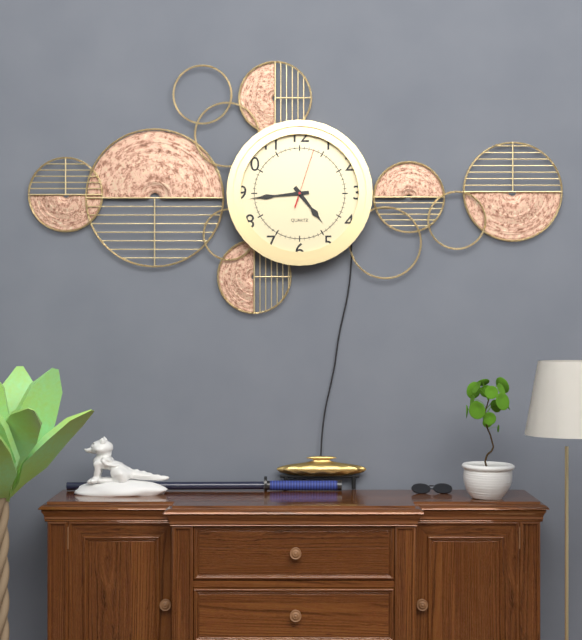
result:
4.44.03
